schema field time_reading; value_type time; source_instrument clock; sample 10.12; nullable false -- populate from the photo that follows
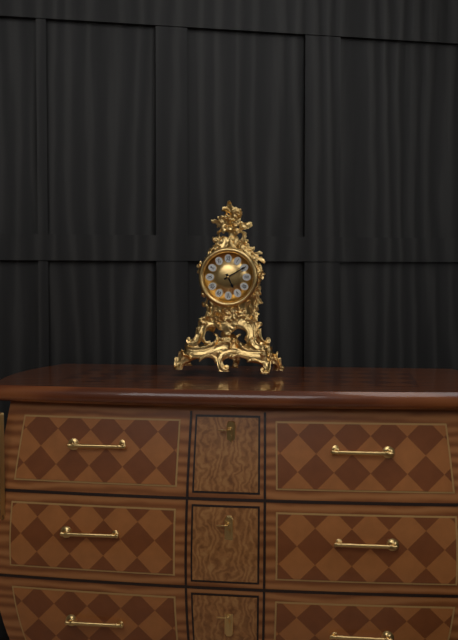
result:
5.10
